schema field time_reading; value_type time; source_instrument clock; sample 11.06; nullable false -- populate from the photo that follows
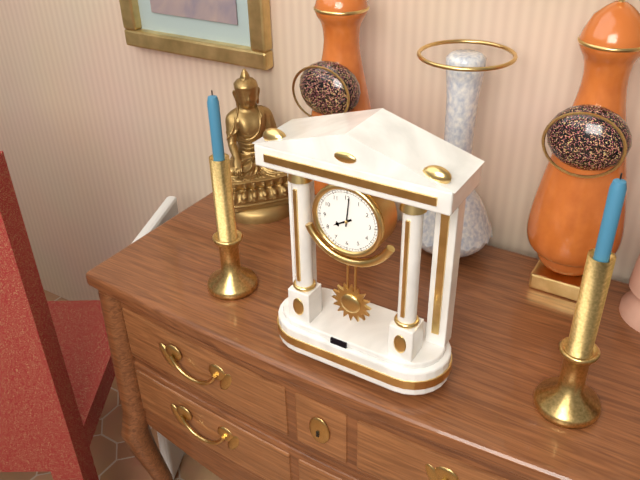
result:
8.01
